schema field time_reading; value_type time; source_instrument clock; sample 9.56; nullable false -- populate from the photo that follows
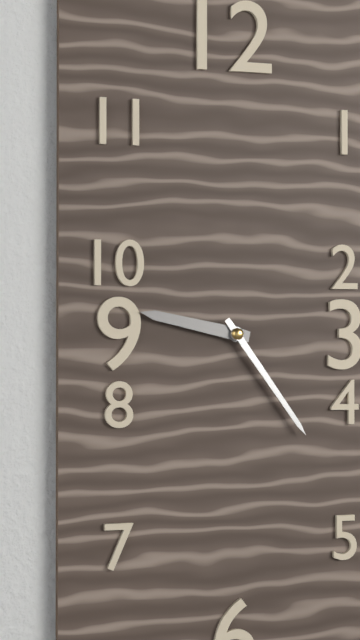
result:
9.24
